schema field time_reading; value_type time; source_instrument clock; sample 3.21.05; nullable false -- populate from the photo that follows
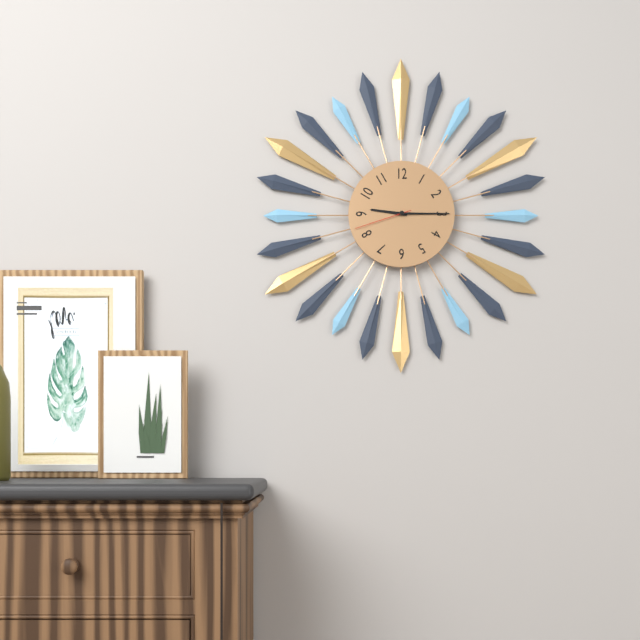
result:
9.15.42
